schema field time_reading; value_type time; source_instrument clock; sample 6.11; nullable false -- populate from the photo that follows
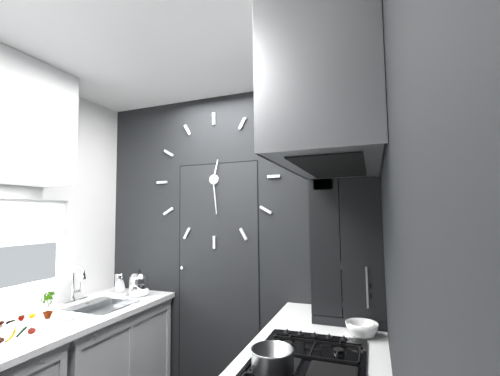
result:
12.29
